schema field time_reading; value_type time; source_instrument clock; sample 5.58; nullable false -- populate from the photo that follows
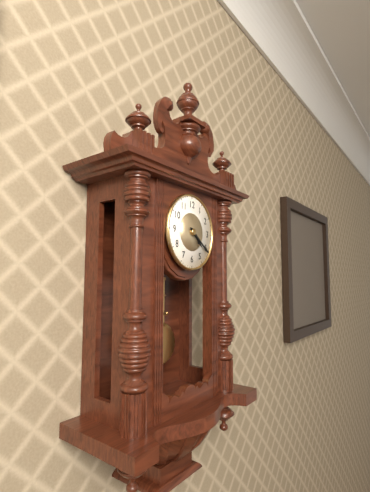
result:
4.21
